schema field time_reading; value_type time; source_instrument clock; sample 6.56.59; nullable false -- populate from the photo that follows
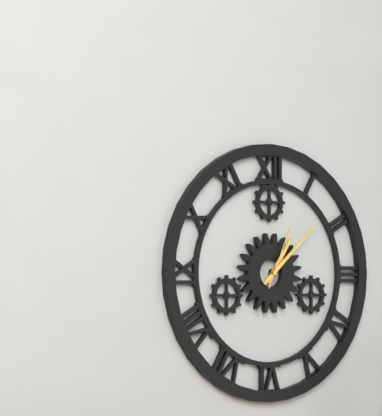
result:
1.08.04
